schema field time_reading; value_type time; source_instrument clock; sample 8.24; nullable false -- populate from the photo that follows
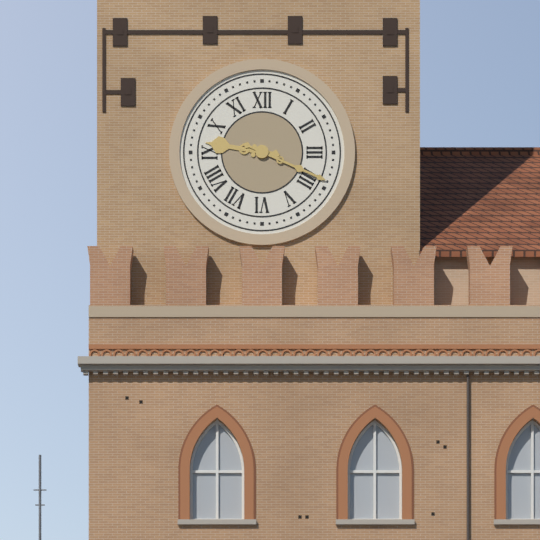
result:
9.19
